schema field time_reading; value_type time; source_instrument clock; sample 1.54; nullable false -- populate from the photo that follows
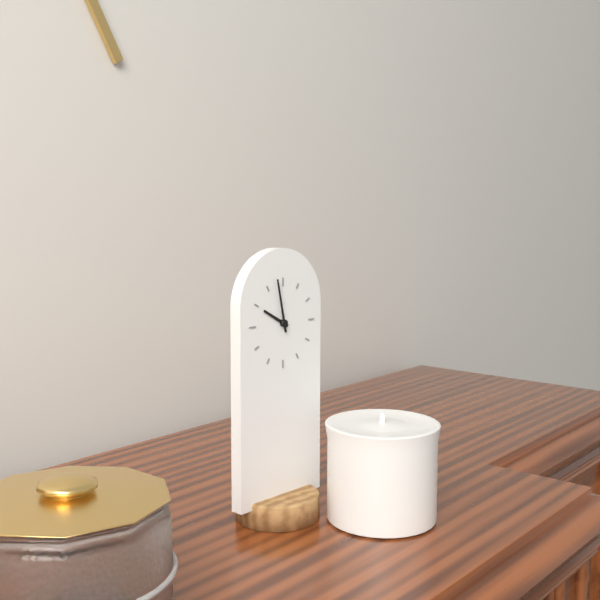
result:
9.58
